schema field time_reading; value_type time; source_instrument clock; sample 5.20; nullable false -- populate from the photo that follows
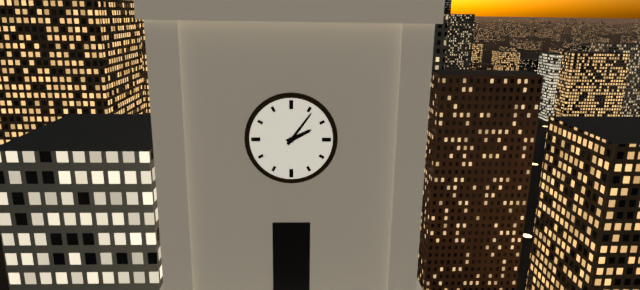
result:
2.06
